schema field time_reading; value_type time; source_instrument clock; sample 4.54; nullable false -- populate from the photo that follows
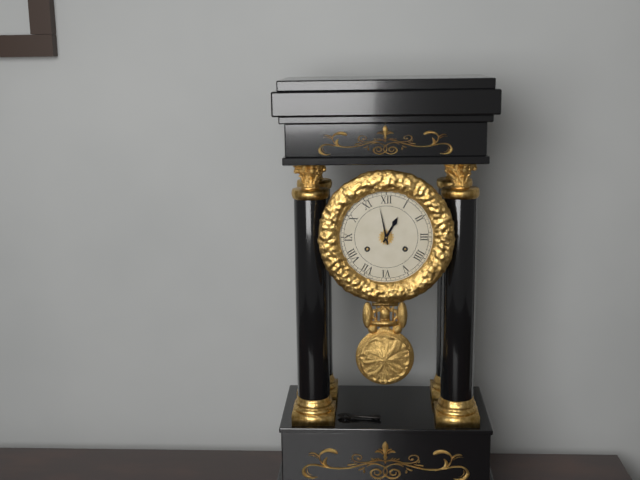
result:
12.58
